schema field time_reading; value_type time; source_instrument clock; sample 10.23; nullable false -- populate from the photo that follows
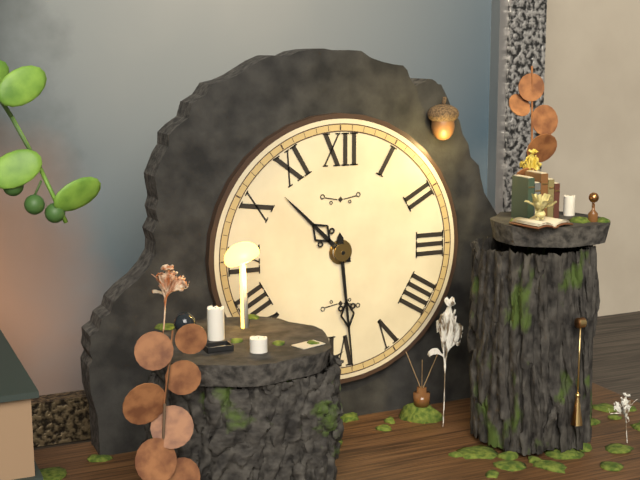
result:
10.29
